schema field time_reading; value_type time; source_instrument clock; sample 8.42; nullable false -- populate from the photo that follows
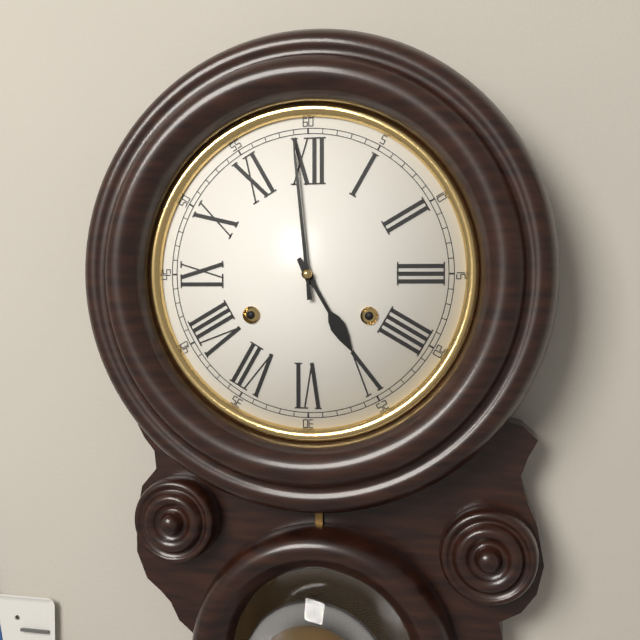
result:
4.59
